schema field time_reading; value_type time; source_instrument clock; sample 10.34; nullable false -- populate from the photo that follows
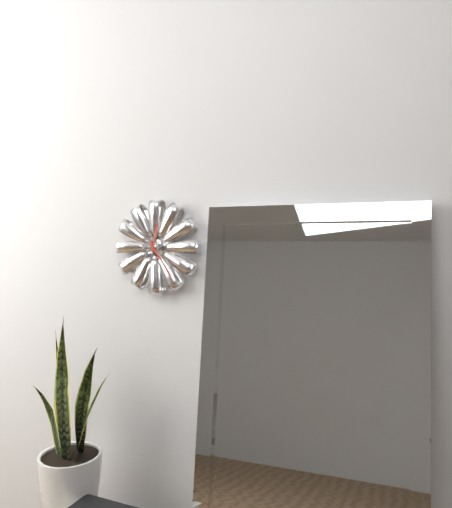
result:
12.24
